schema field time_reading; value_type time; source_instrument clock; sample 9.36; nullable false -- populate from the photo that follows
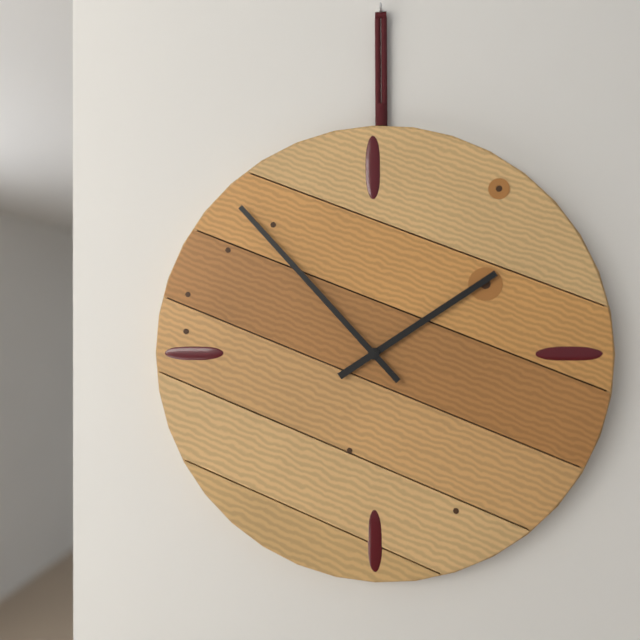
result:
1.53
